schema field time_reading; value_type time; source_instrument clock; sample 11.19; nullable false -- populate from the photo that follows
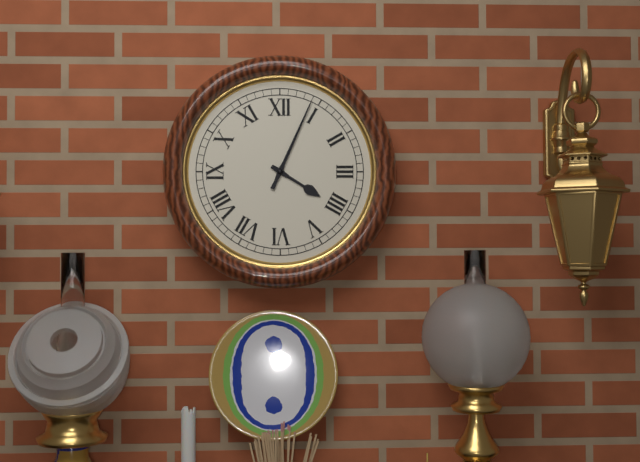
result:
4.04
